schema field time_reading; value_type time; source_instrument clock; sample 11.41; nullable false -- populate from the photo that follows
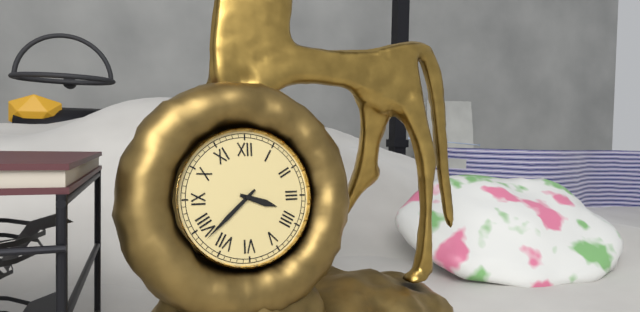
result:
3.38
